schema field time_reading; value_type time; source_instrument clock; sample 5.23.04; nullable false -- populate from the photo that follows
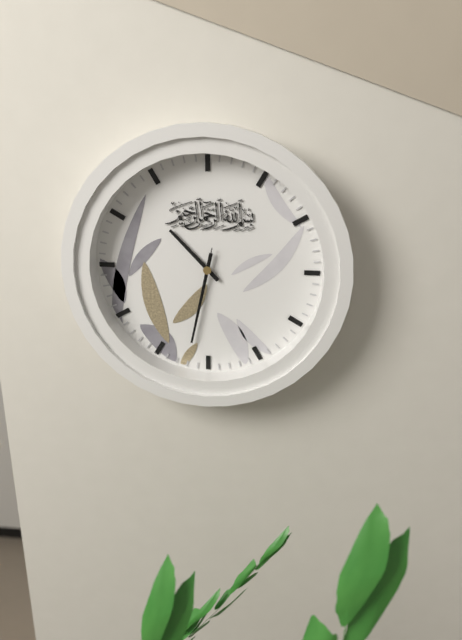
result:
10.32.32
